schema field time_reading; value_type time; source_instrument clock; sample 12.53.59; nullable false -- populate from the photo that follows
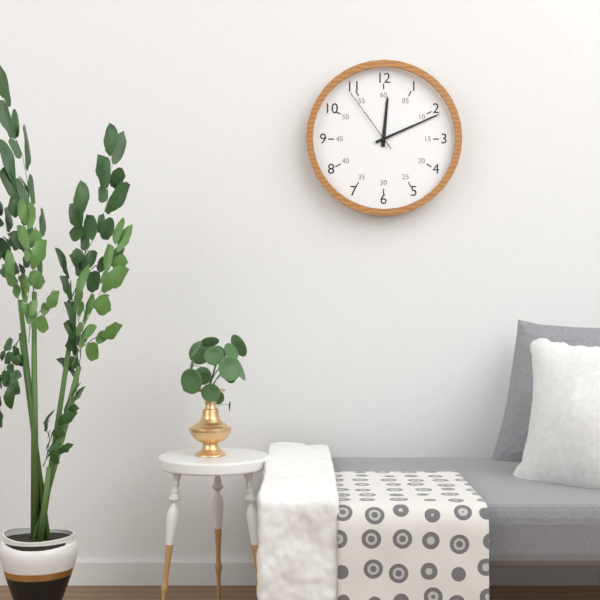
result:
12.11.54
